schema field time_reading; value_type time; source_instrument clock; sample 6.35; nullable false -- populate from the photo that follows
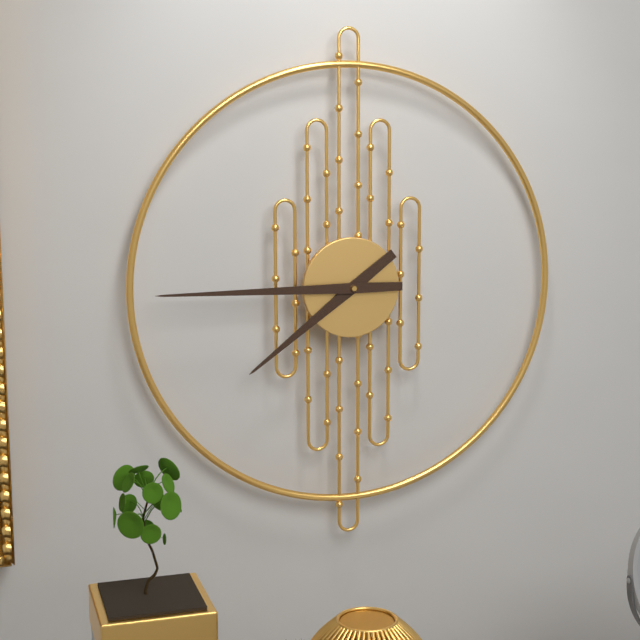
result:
7.45
